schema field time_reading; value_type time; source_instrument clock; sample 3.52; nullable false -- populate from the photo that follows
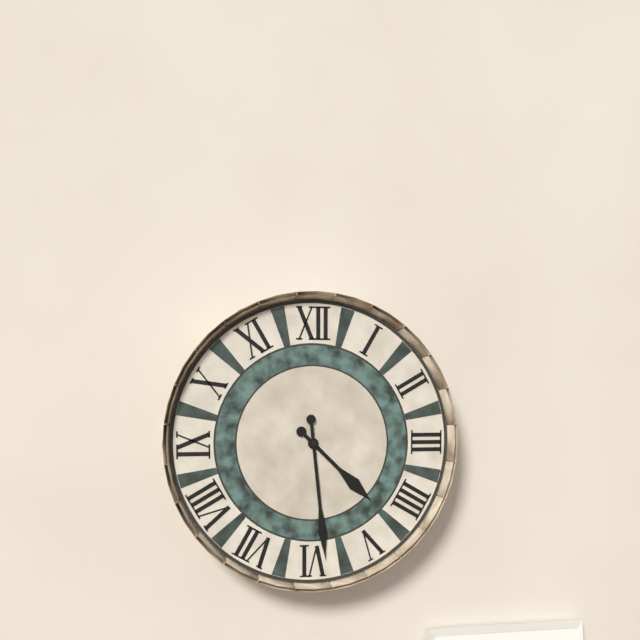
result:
4.29
